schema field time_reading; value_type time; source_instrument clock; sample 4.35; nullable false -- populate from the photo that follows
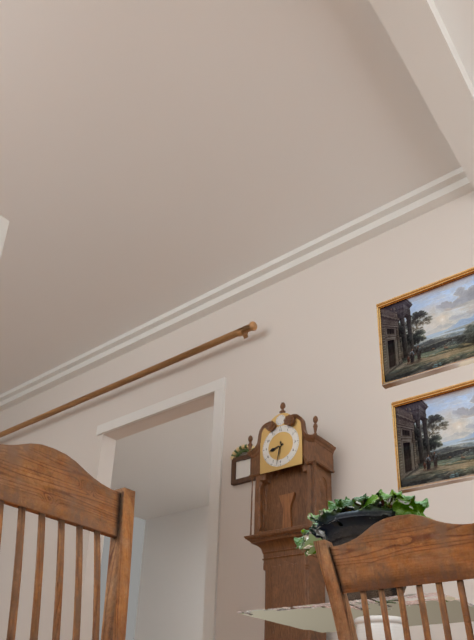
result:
8.32
